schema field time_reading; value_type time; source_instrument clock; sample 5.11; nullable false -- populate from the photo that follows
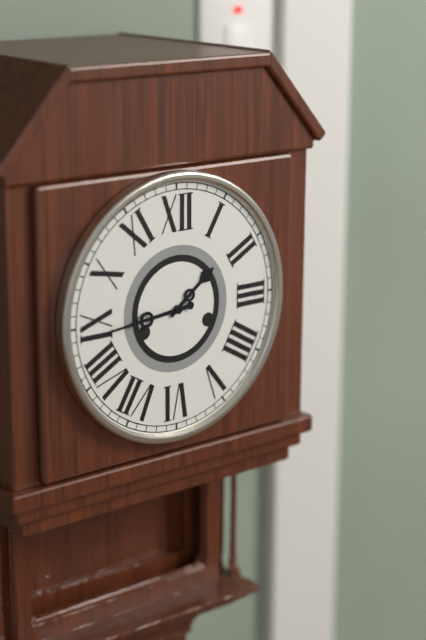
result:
1.44
